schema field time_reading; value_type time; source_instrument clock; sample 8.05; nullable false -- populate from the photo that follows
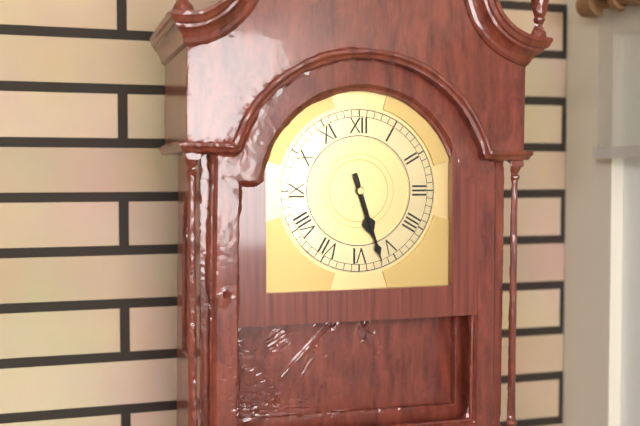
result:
5.27
